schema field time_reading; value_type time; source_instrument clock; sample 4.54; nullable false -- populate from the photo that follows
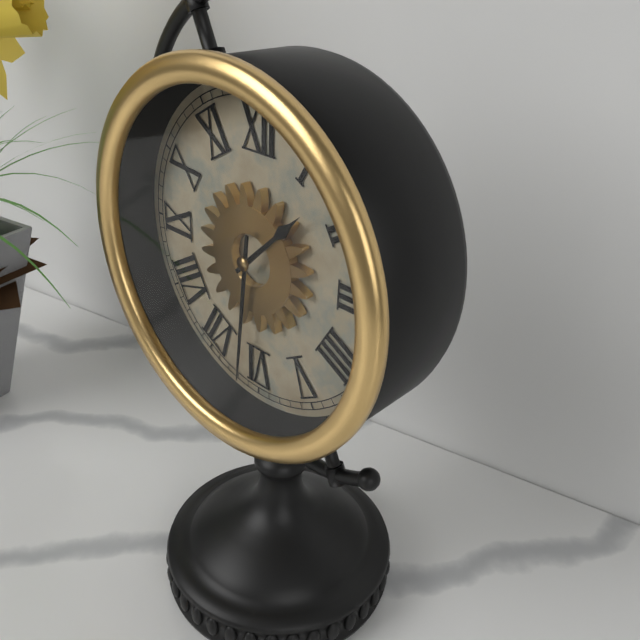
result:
1.31
